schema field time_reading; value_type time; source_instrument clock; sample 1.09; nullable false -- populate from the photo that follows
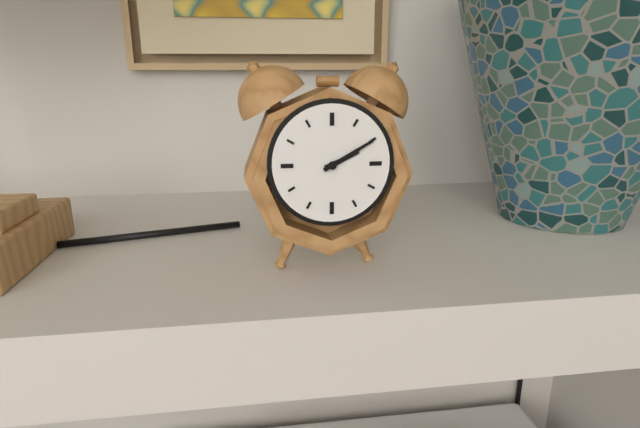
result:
2.10
